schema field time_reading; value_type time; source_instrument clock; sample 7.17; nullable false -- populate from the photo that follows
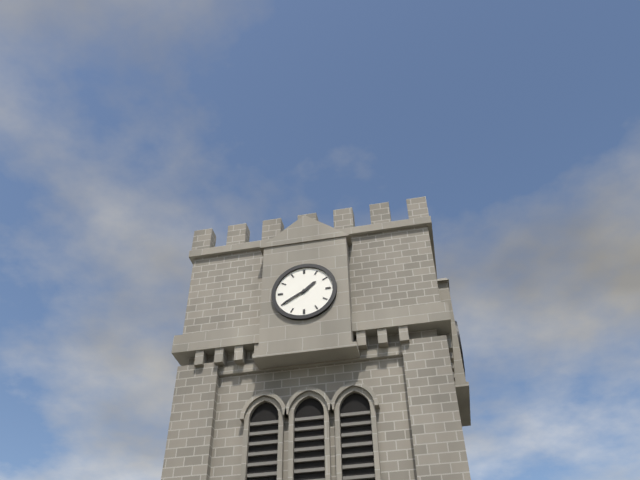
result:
1.40
